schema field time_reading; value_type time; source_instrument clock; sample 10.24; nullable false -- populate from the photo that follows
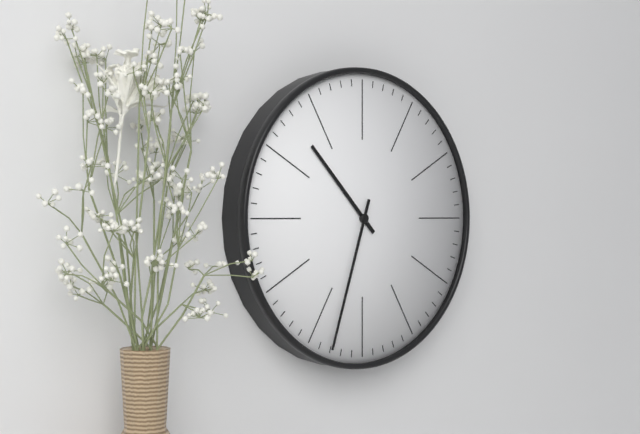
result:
10.33
